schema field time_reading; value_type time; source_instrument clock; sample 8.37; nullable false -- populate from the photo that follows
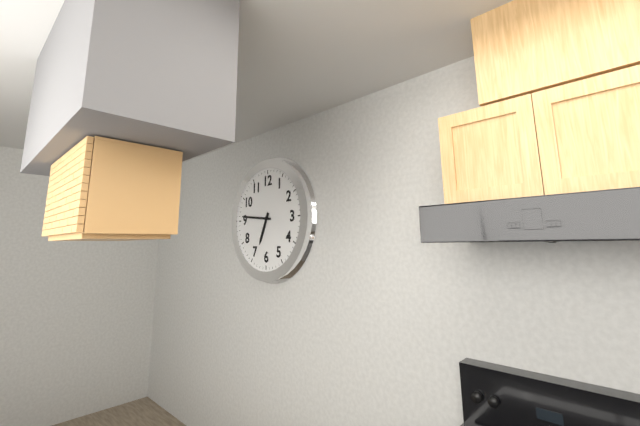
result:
6.46
